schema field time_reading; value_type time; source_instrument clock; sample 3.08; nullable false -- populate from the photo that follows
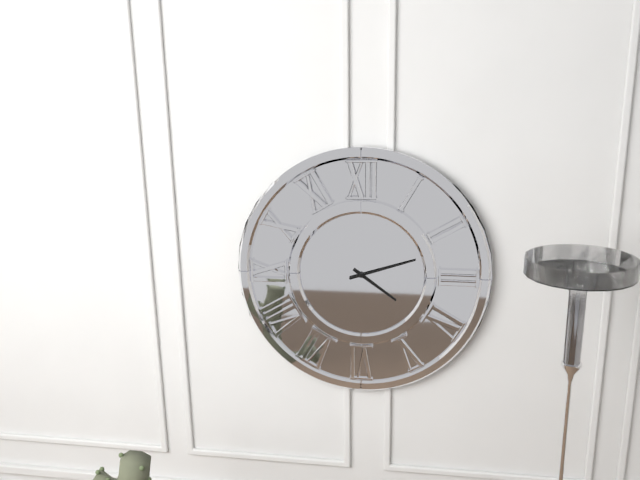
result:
4.12
